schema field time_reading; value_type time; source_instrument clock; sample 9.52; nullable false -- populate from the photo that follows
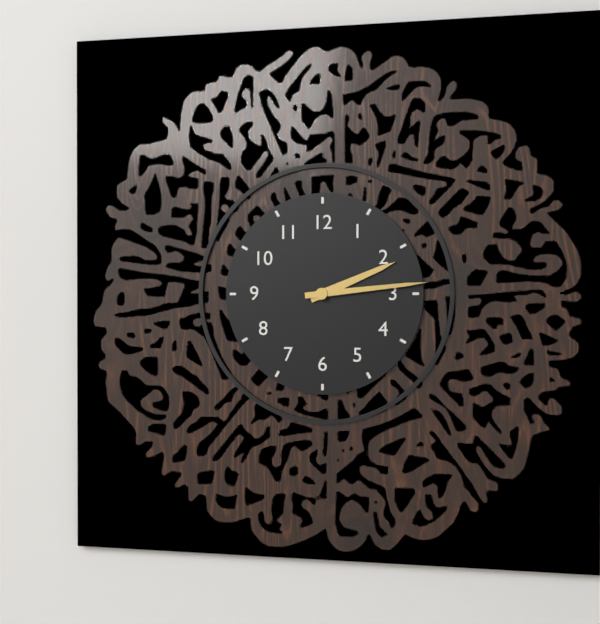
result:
2.14
